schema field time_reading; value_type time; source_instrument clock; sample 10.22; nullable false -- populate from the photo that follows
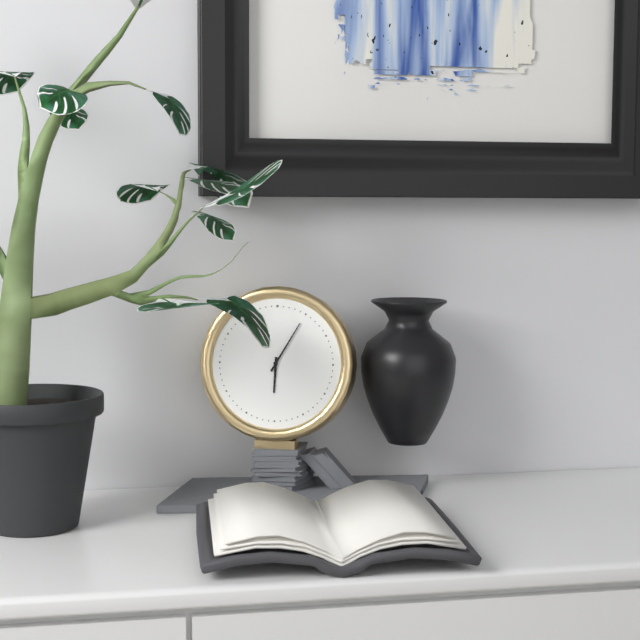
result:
6.05
